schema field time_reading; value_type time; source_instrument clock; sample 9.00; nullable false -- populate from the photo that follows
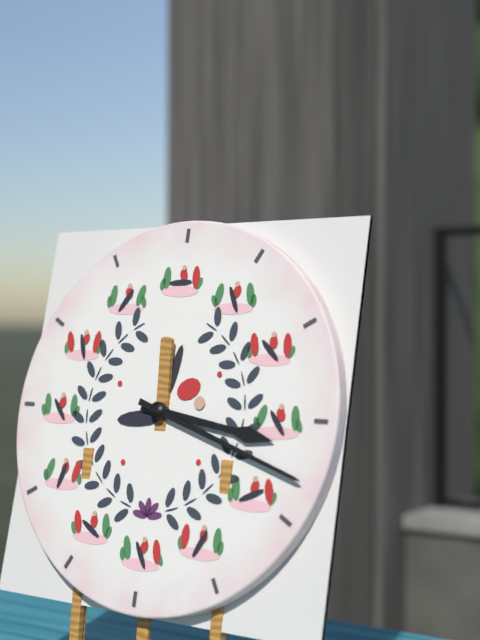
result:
3.18
